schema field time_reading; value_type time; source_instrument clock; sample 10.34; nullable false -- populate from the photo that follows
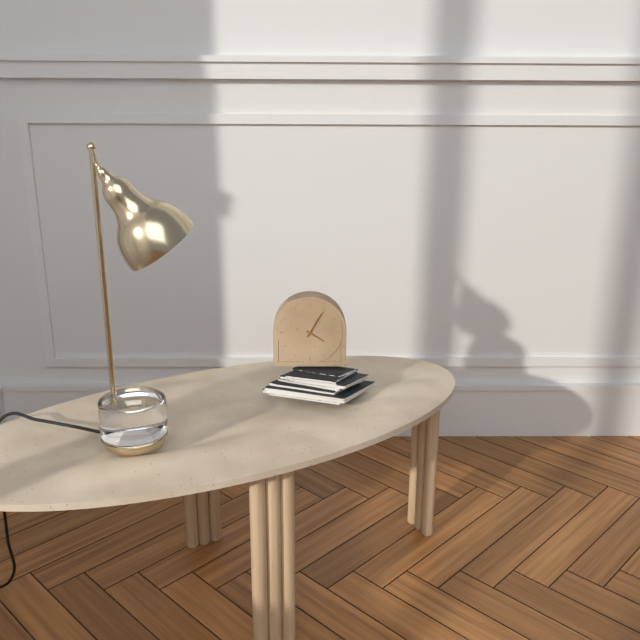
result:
4.05
